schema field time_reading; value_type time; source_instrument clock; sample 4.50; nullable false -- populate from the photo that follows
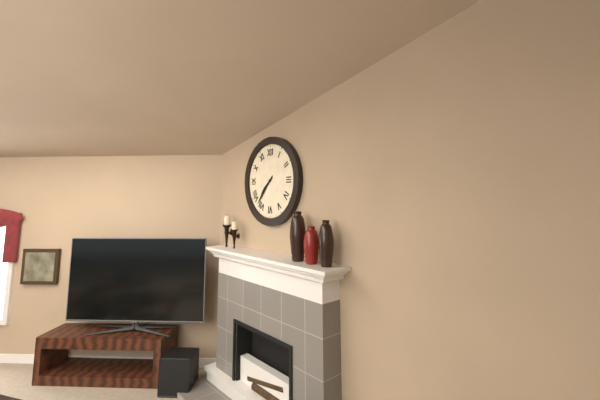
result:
7.37
